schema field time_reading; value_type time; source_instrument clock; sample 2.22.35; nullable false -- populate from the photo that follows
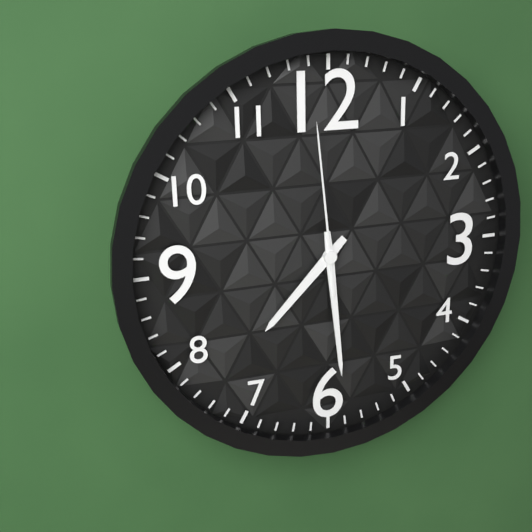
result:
7.29.59
